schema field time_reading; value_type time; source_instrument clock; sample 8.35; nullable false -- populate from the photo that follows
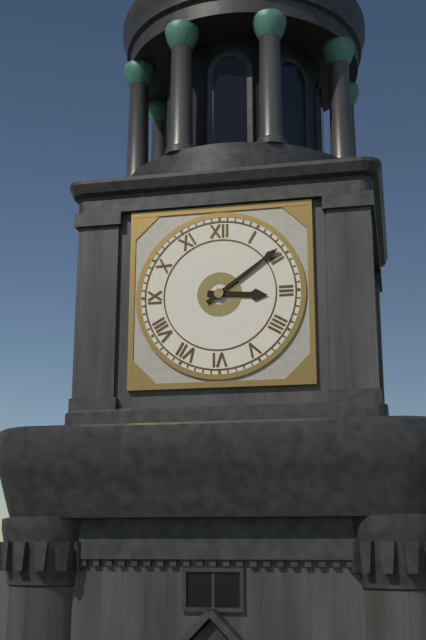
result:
3.09
